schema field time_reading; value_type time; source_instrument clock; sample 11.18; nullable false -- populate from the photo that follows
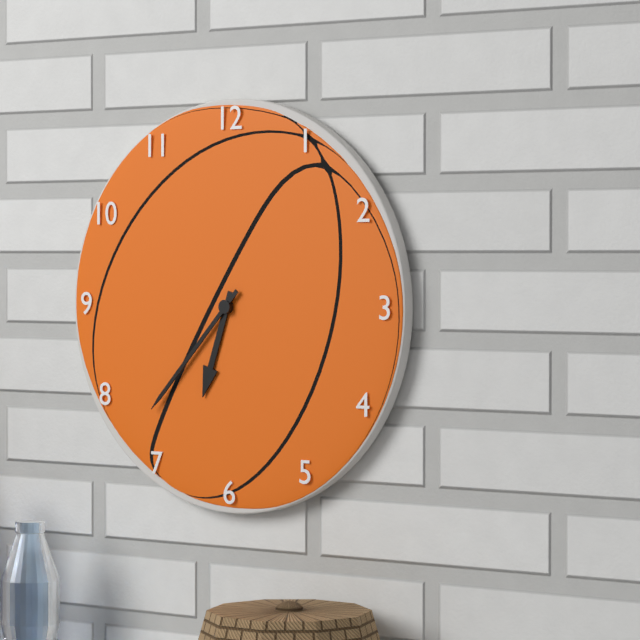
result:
6.37
